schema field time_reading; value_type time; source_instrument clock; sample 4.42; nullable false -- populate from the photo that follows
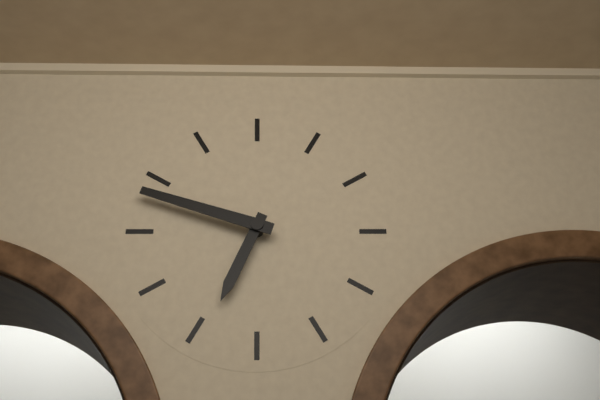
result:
6.48
